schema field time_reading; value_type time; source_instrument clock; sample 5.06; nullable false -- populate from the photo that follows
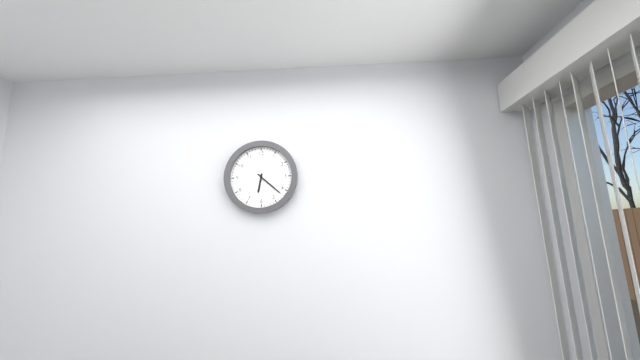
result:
6.22
